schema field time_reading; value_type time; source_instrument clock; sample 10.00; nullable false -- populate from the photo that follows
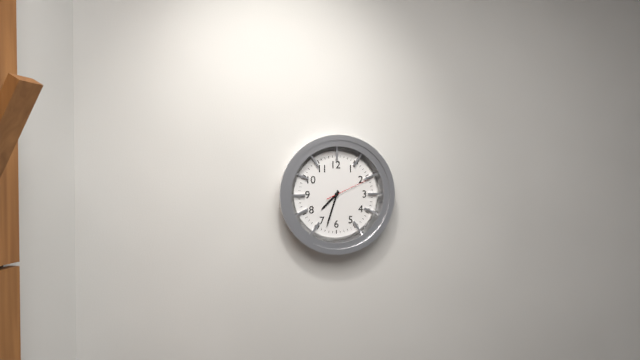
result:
7.33
